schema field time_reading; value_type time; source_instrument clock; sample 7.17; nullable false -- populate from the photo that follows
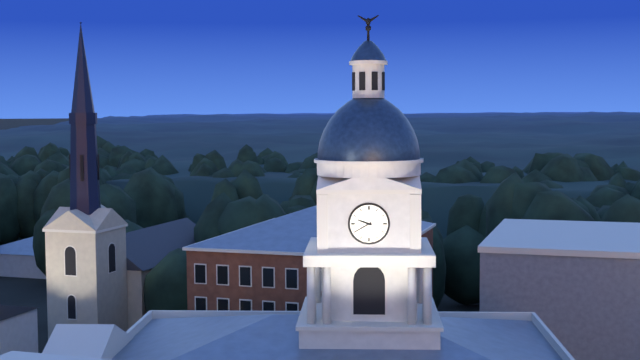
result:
9.40
